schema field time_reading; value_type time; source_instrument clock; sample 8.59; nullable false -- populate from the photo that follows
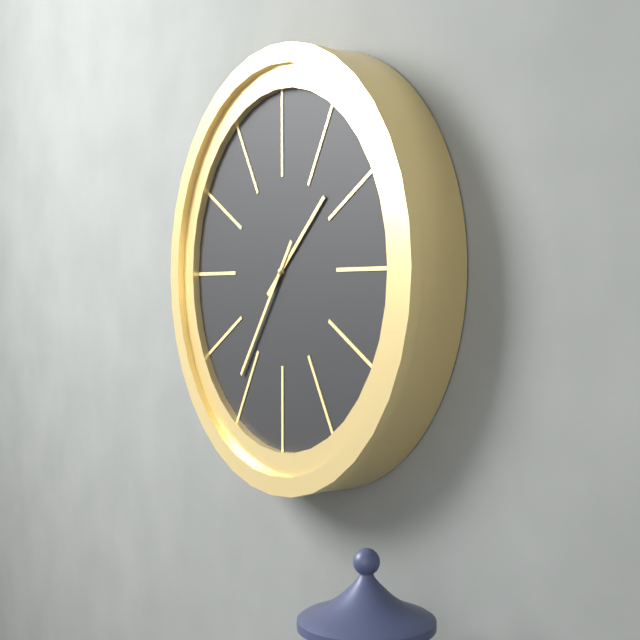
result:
1.36
